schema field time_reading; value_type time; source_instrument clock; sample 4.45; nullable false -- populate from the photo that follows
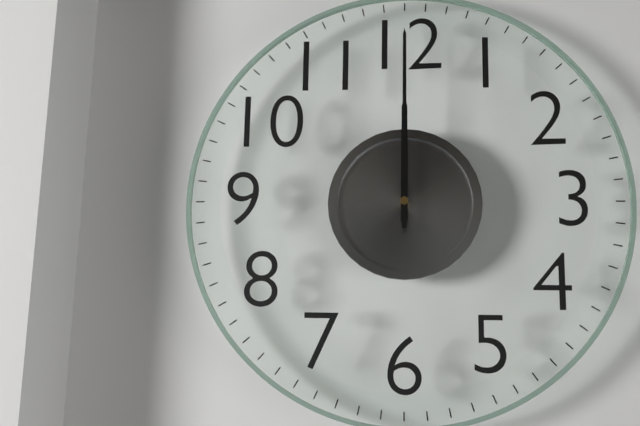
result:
12.00
